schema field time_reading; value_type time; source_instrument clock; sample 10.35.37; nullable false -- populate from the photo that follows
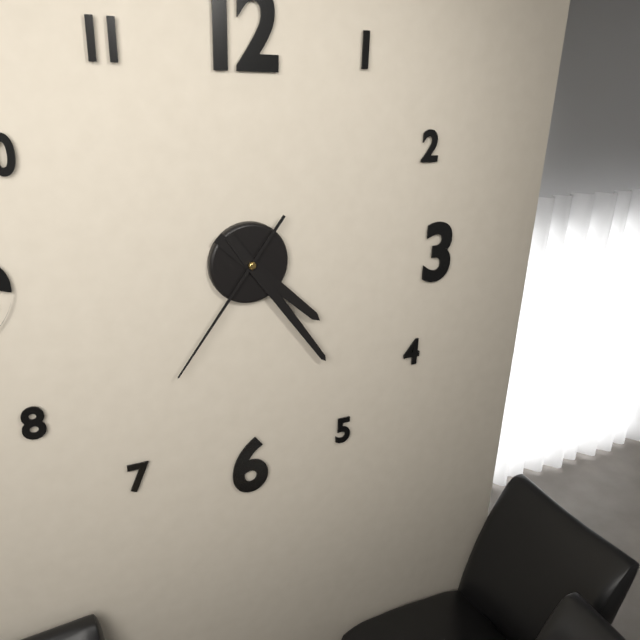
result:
4.24.36
